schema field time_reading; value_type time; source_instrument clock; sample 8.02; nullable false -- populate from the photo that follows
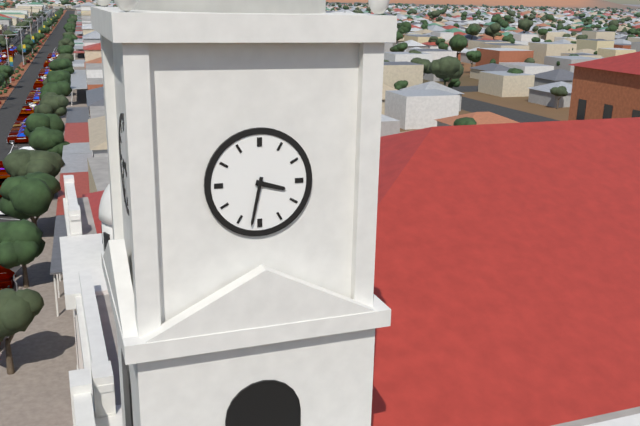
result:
3.32
